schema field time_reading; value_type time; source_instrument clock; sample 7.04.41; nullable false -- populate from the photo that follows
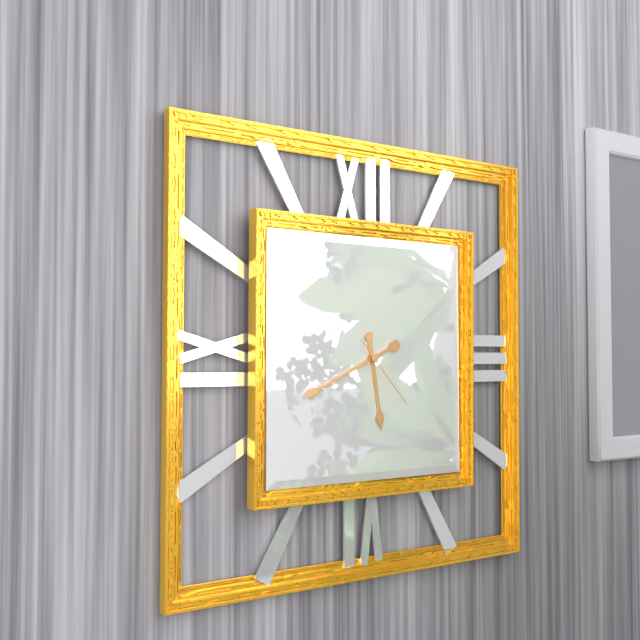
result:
5.41.23
